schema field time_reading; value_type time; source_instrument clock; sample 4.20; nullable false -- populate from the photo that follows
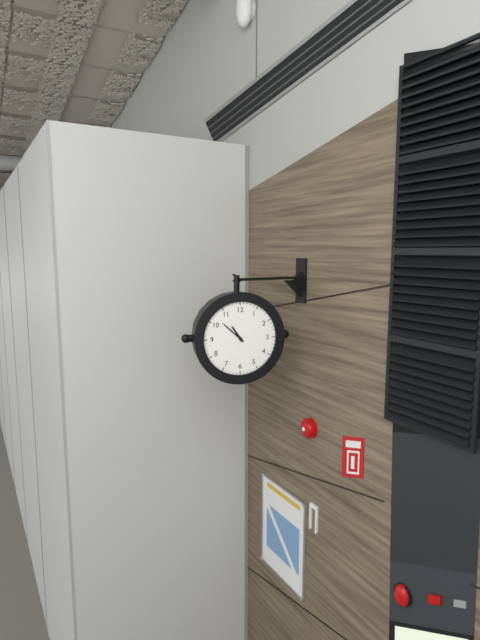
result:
10.52
